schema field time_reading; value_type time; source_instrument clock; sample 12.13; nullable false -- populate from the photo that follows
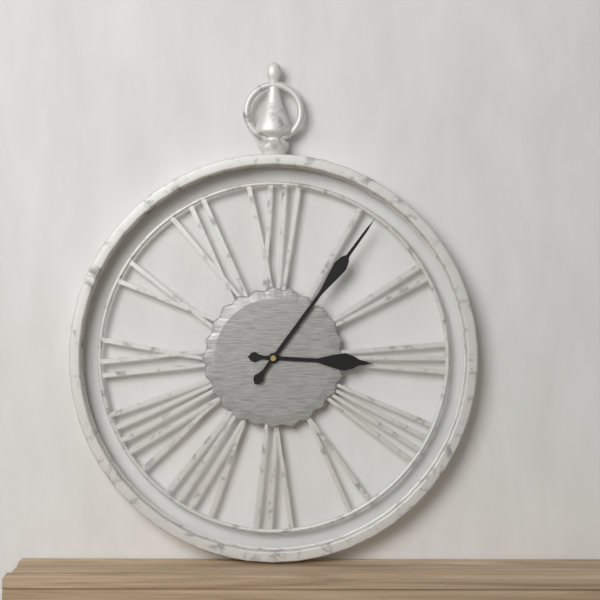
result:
3.06
